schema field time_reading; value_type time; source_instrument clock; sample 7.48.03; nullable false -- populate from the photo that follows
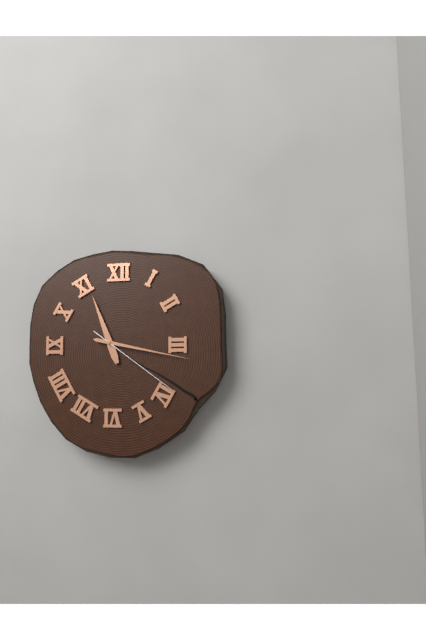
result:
11.17.21
